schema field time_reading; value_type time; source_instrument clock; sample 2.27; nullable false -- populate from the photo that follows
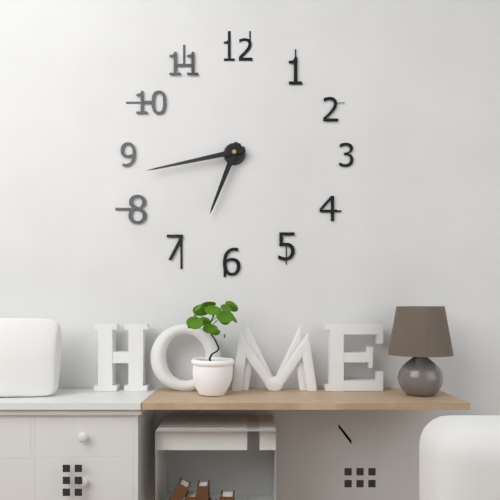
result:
6.43
